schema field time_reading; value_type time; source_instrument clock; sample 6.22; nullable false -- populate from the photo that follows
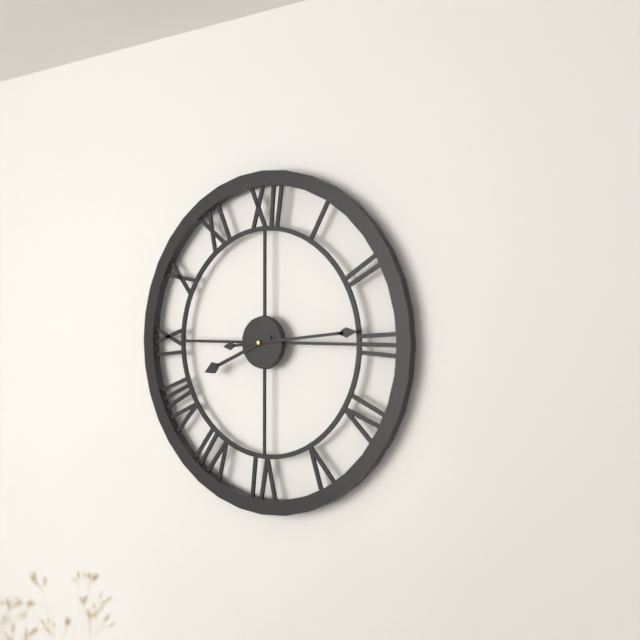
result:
8.14
